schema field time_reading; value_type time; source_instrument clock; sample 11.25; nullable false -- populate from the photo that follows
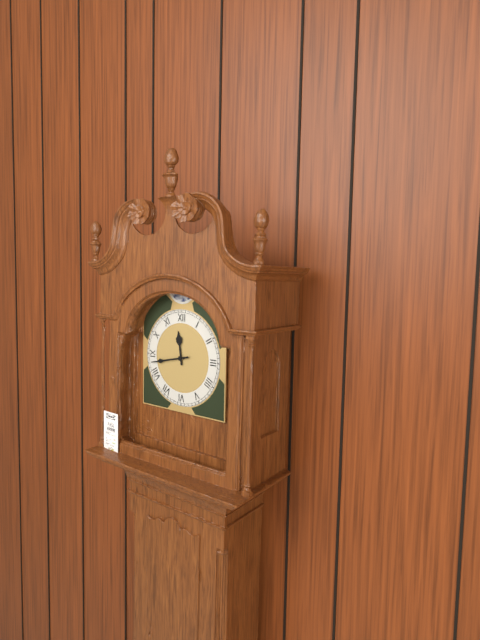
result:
11.43
